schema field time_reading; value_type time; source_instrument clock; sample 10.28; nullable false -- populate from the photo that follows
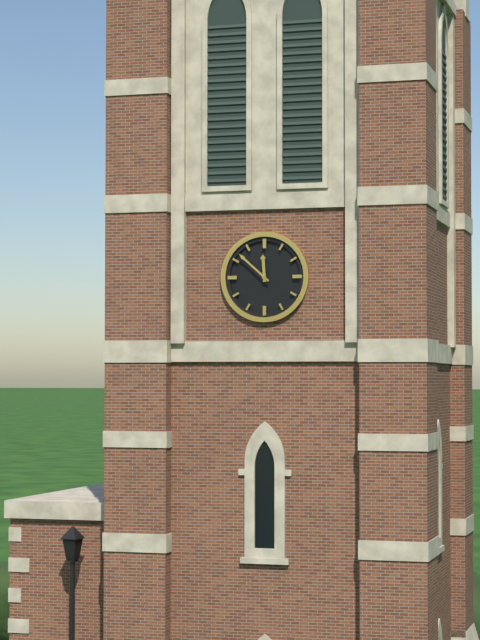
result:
11.52
